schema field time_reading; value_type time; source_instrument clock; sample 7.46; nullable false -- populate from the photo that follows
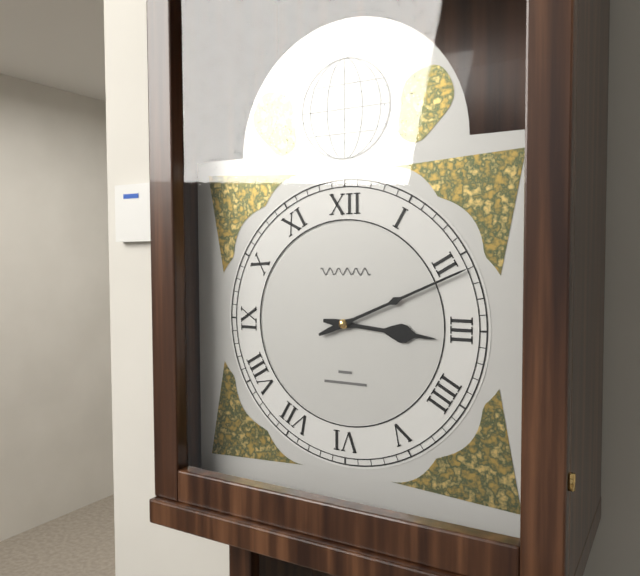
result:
3.11
